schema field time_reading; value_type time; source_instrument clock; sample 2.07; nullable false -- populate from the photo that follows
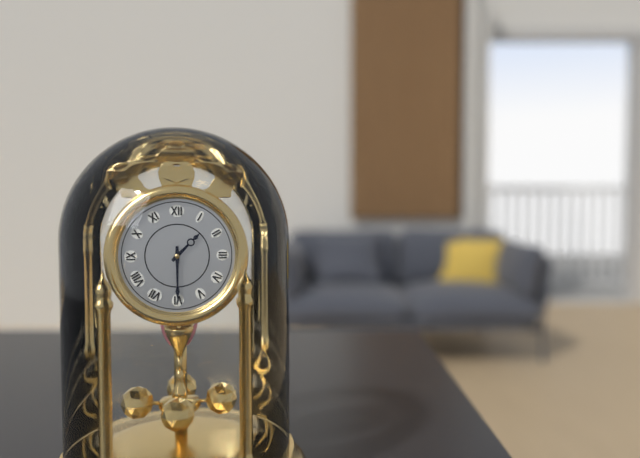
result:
1.30
